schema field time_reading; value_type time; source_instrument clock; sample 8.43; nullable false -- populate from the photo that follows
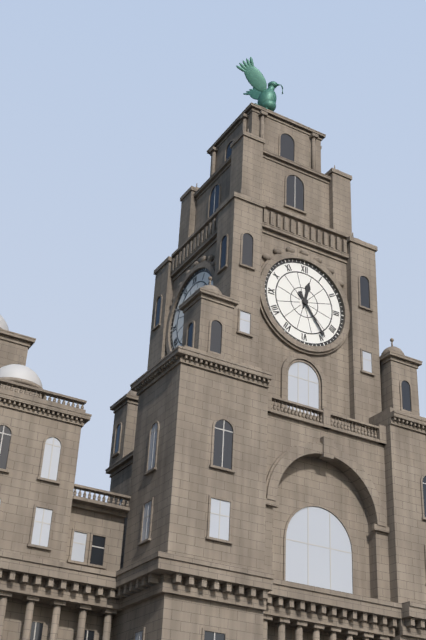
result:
12.24
